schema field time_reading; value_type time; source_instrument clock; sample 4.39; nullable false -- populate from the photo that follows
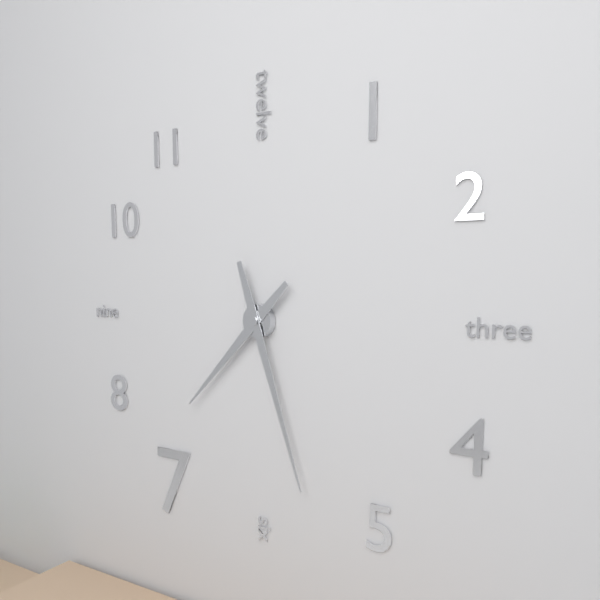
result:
7.27
